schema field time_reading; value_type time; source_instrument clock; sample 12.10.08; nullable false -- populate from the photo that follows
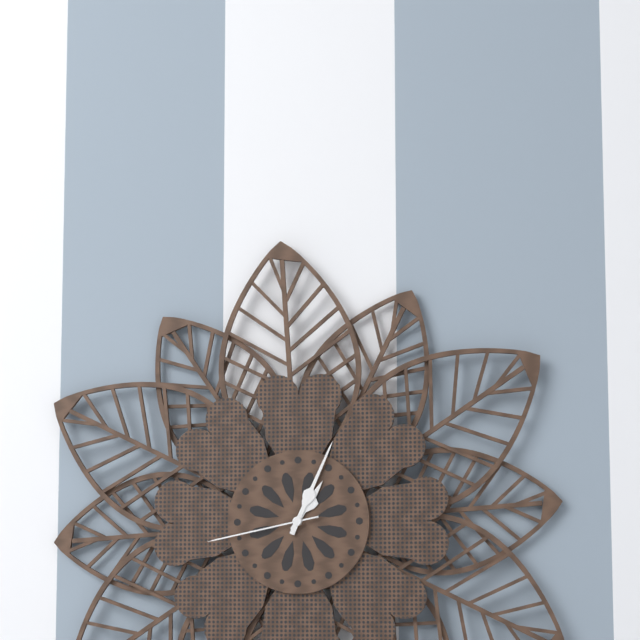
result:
1.04.43
